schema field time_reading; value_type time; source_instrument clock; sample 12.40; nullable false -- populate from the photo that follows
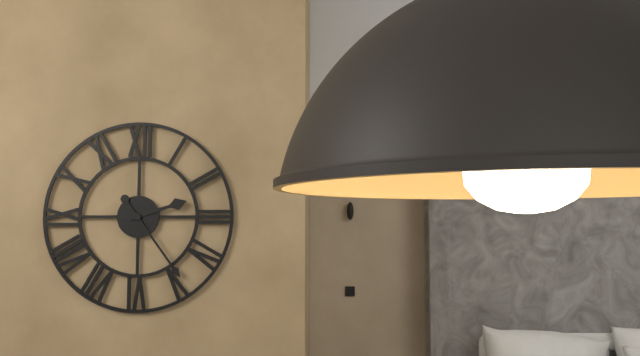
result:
2.24
